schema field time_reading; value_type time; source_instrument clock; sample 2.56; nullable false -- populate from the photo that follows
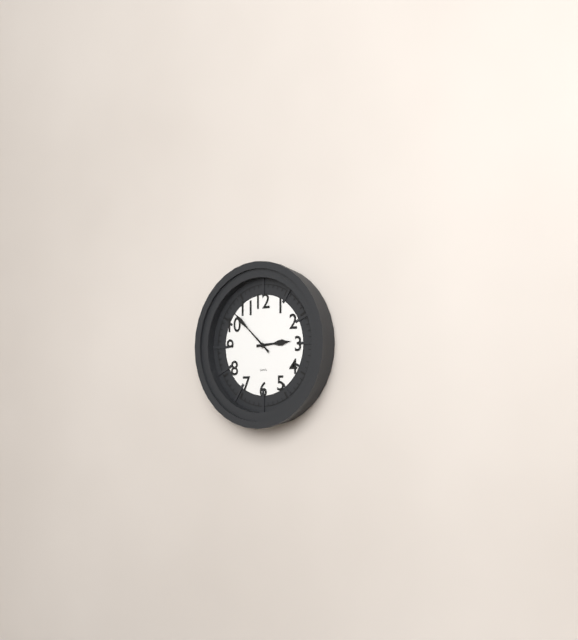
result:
2.52
